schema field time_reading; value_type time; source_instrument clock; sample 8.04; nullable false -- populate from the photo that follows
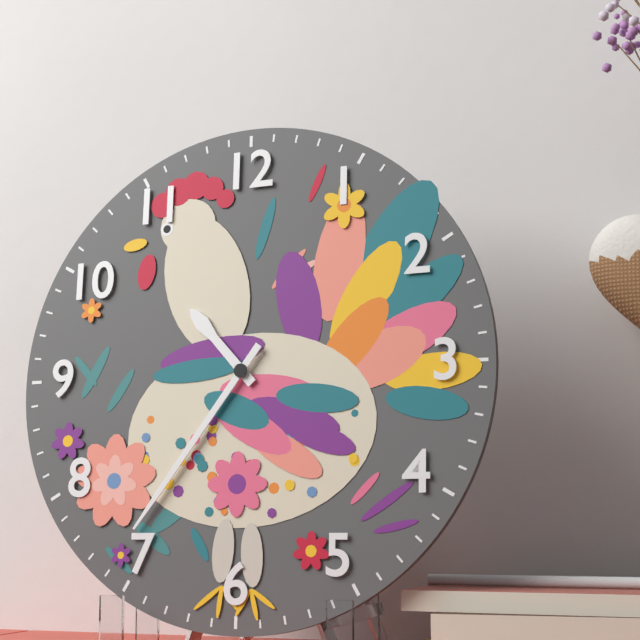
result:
10.36
